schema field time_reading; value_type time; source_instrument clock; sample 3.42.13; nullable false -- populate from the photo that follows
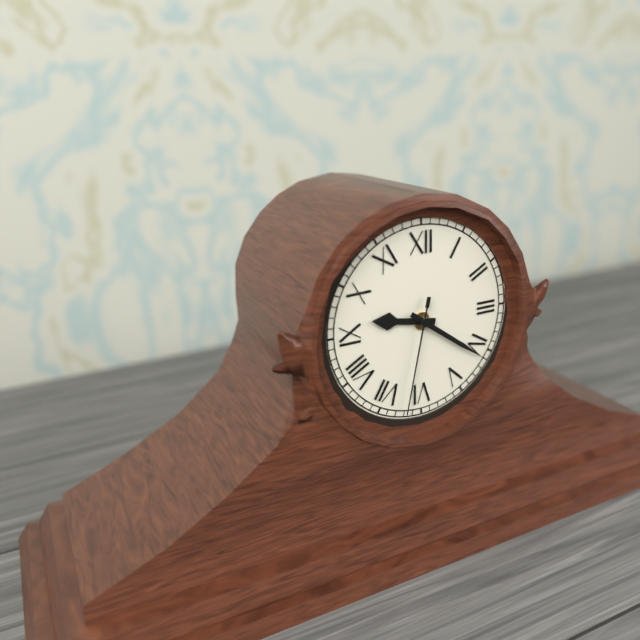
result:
9.21.32
